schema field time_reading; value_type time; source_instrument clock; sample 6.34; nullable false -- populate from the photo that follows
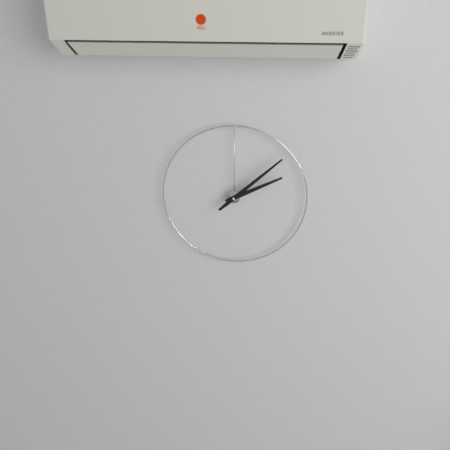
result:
2.08
